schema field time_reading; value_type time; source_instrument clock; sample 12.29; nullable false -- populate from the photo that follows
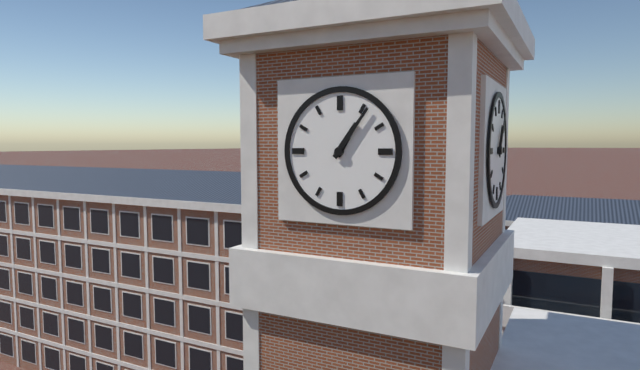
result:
1.06
